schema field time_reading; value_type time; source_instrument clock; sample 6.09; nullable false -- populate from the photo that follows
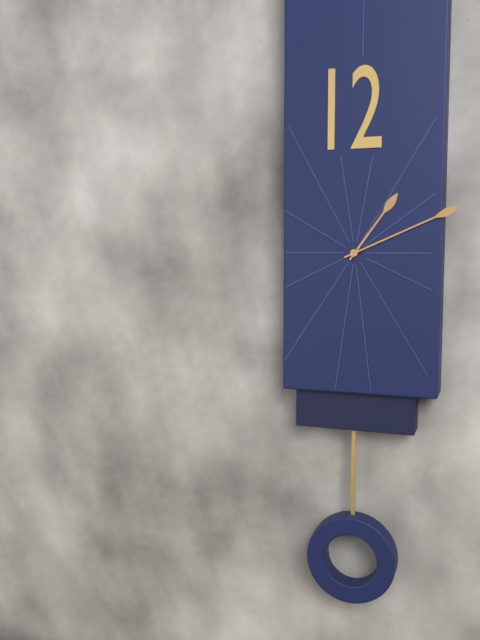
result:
1.11
